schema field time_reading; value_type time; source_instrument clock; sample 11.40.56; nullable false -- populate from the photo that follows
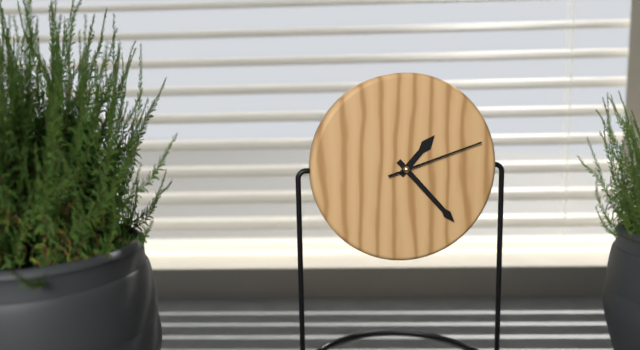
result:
1.23.12
